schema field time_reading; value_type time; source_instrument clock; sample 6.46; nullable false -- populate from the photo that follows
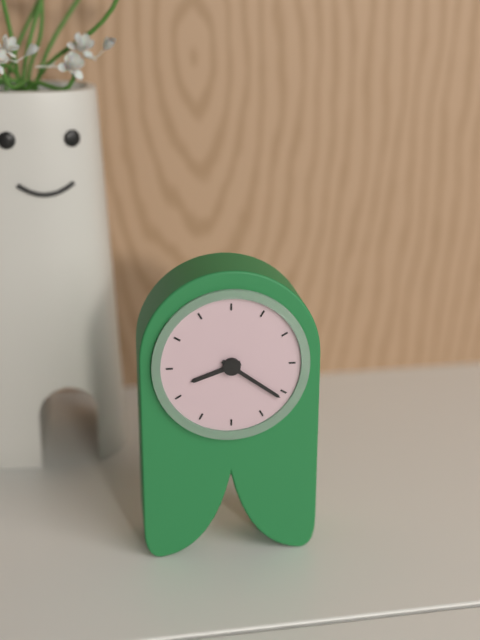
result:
8.21
